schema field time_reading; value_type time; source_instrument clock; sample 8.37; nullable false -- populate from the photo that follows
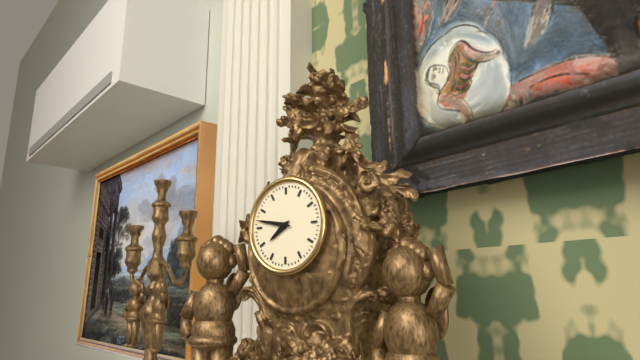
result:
7.47
